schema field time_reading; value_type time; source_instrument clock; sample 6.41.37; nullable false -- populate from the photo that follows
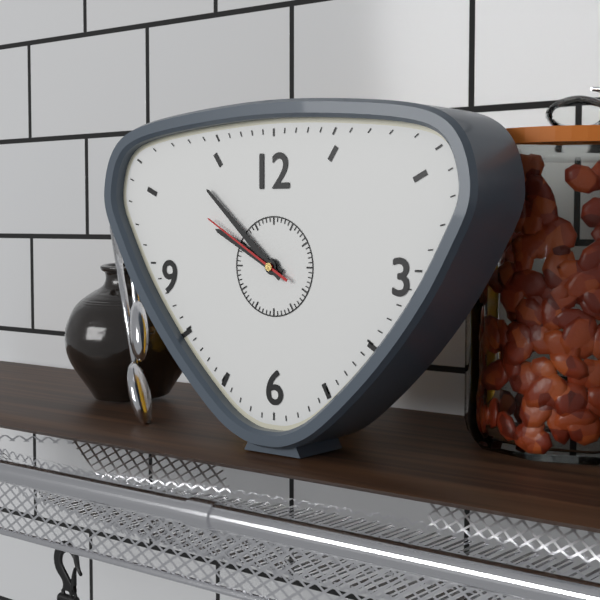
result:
9.52.50
